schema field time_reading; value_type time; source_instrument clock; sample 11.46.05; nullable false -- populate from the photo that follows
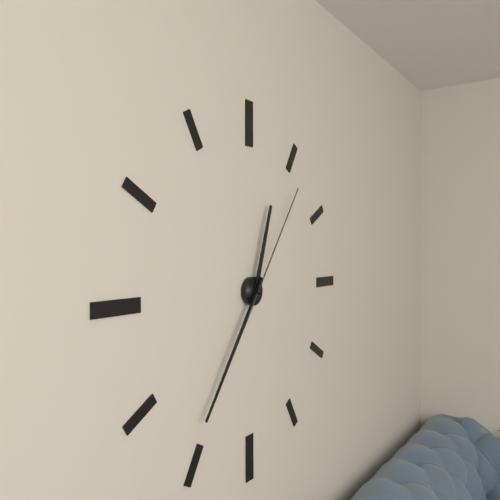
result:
12.36.06
